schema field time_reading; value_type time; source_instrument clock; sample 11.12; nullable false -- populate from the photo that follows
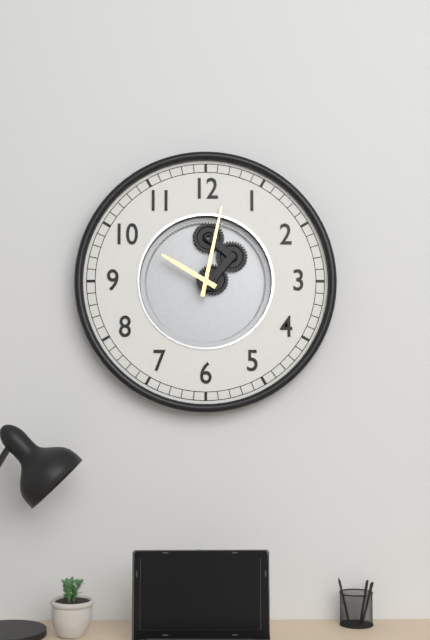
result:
10.02
